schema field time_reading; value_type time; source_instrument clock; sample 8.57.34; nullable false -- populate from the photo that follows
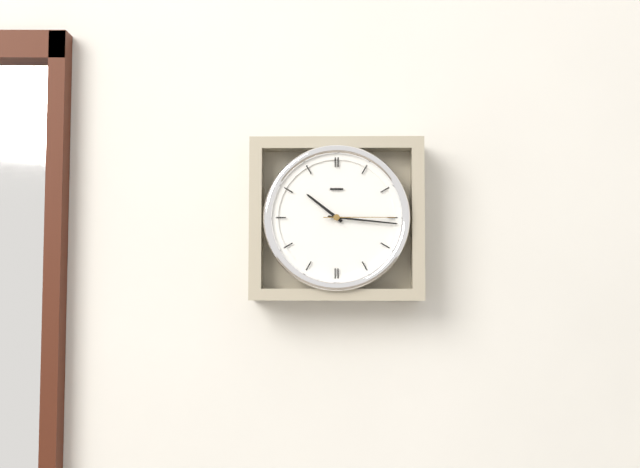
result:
10.16.15
